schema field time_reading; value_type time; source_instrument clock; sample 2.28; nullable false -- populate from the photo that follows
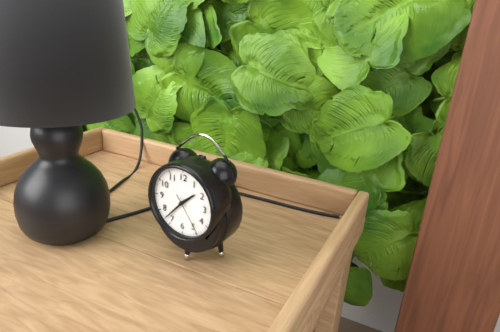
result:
1.37
